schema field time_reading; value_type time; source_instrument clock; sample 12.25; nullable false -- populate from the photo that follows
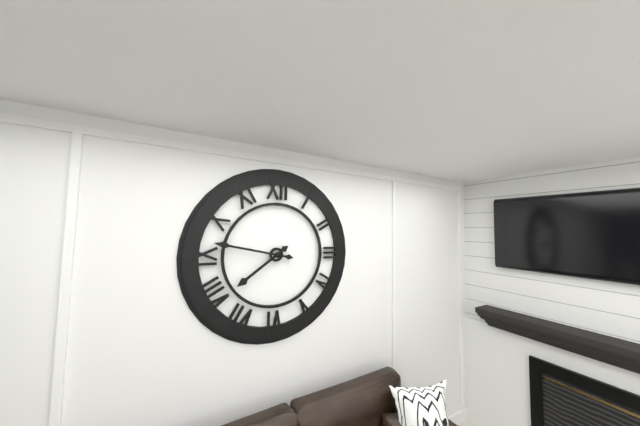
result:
7.47
